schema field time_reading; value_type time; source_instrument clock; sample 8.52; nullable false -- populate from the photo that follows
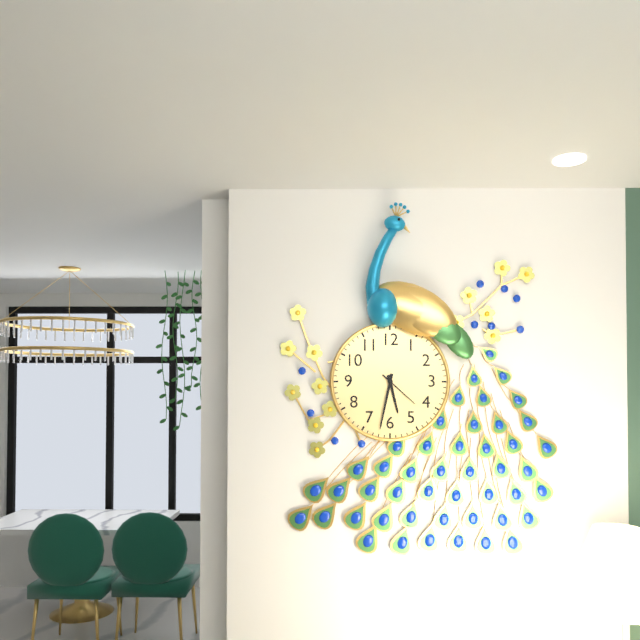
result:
5.32
